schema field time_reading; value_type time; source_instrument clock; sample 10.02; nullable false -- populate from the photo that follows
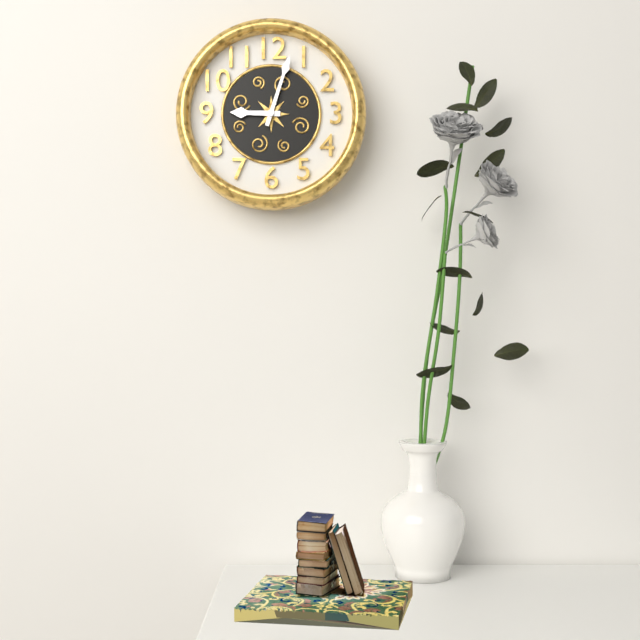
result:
9.03
